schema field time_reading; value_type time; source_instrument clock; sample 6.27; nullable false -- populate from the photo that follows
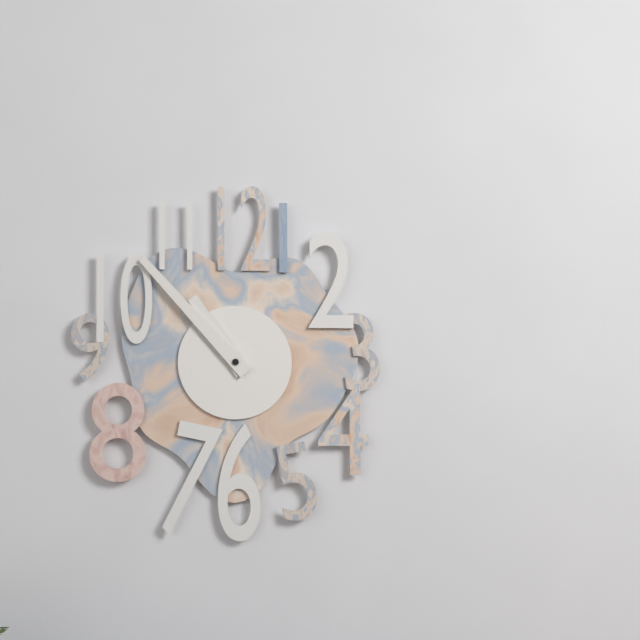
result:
10.53
